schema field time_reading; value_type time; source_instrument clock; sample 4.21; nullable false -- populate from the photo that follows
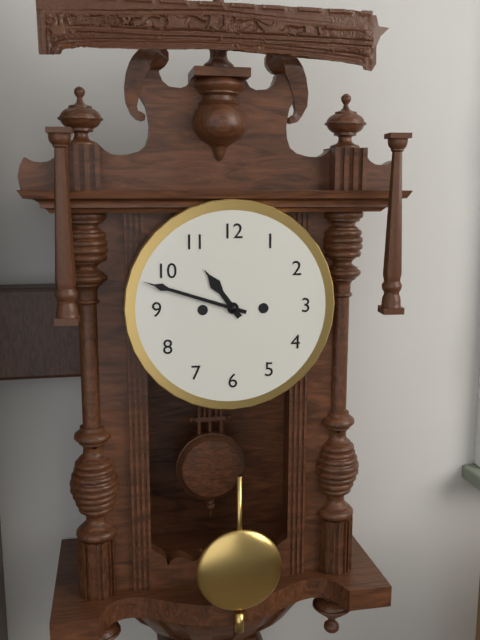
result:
10.48
